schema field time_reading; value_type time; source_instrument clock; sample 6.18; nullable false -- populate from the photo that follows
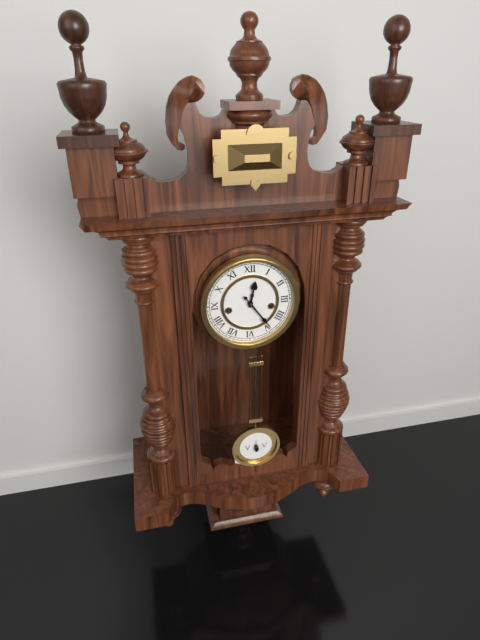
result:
12.24
